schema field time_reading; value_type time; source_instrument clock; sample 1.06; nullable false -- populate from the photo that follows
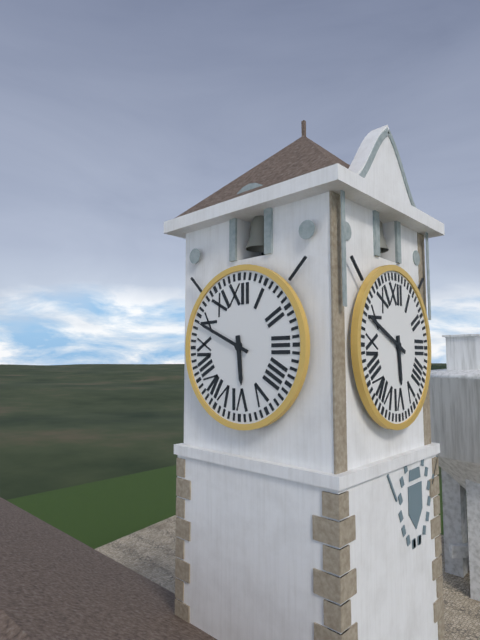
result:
5.49
